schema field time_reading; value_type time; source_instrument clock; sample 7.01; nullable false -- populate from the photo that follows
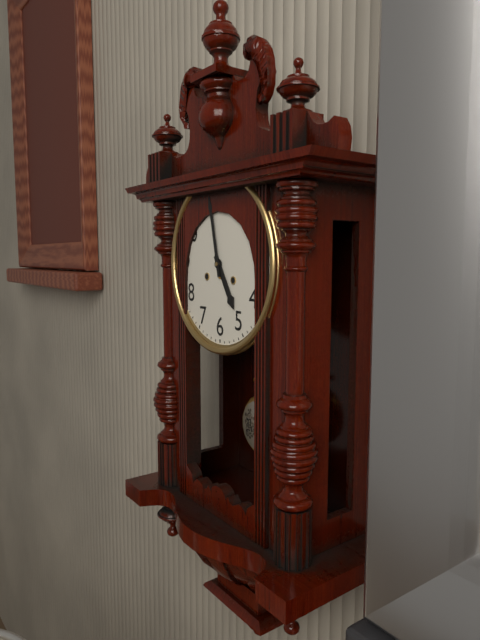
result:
4.58
